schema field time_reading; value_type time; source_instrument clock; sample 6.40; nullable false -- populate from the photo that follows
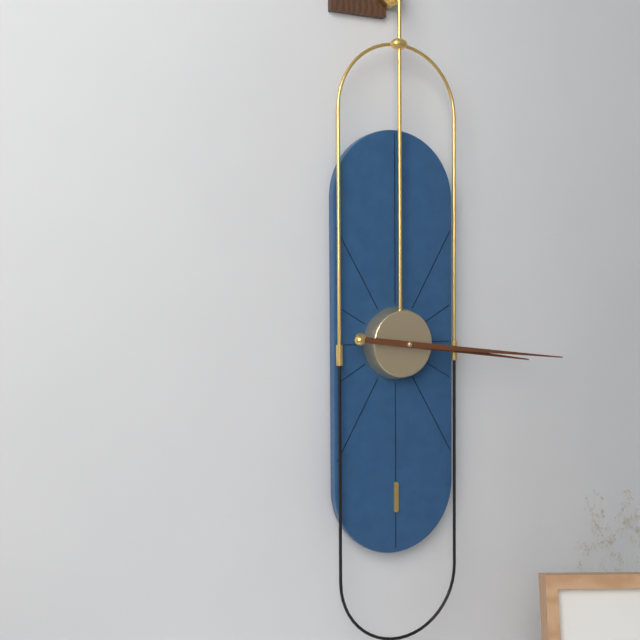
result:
3.16
